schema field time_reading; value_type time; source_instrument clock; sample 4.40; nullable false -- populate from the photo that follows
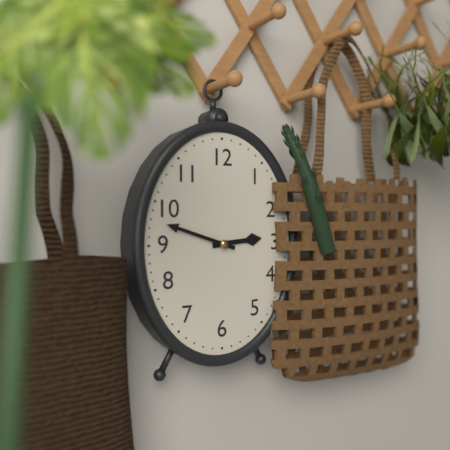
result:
2.48
